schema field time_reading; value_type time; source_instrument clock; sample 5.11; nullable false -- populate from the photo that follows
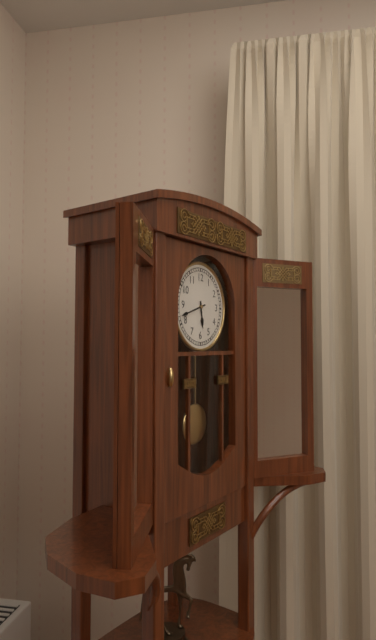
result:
5.42
